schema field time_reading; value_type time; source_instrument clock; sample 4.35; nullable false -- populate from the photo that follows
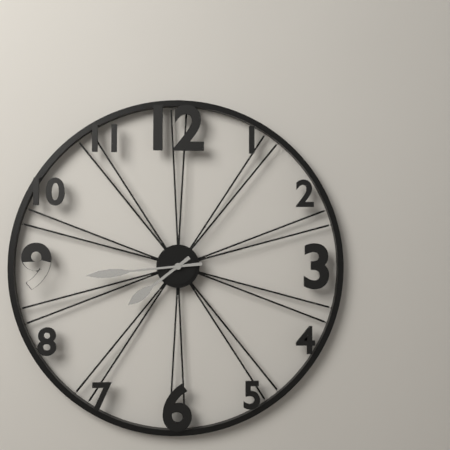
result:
7.44
